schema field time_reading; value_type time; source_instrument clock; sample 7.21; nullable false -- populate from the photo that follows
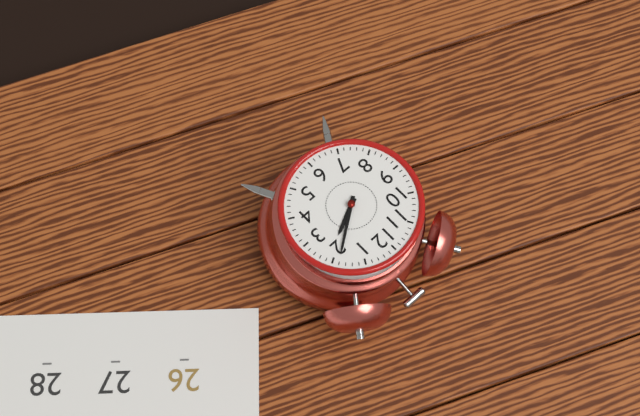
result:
2.09
